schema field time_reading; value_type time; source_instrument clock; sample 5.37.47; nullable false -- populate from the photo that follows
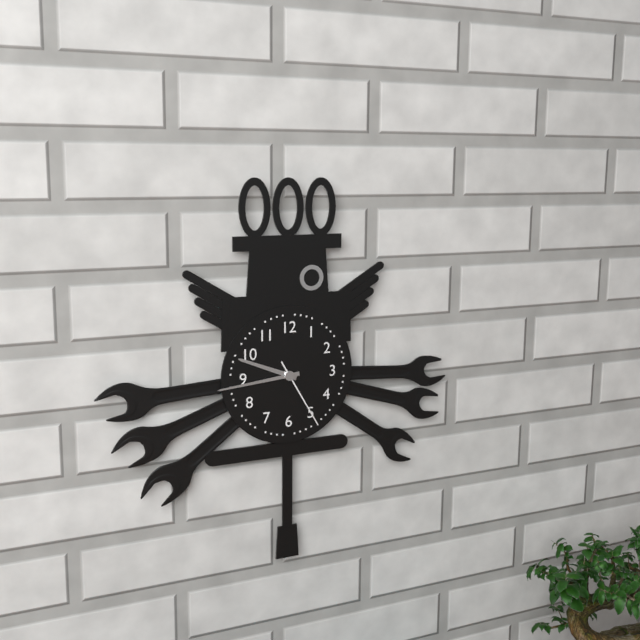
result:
9.44.25
